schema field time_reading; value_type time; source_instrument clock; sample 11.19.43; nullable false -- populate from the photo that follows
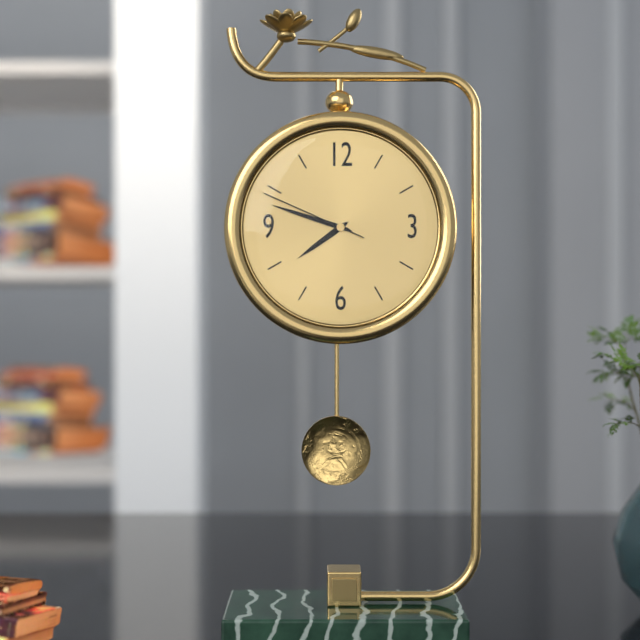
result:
7.48.49
